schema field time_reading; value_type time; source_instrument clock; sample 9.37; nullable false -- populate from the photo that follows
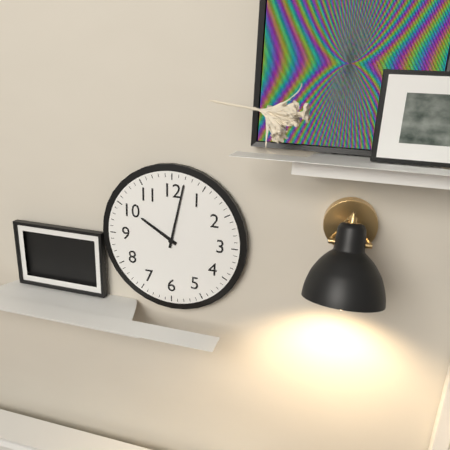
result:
10.02
